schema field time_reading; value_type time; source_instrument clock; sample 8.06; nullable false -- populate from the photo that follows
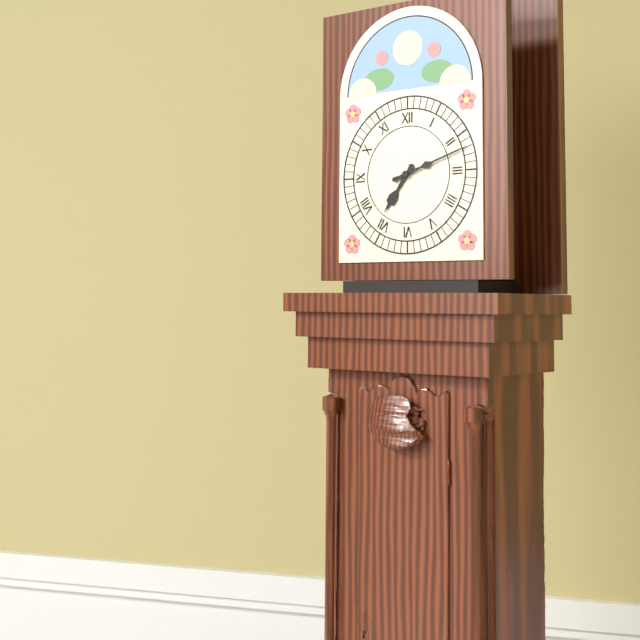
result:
7.12
